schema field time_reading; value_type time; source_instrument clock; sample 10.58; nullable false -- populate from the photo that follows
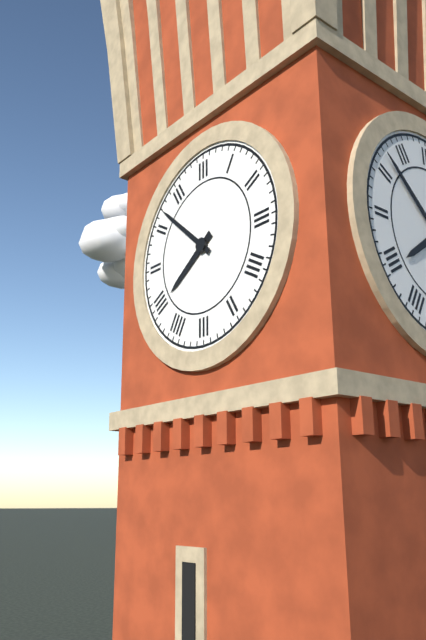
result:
7.52
